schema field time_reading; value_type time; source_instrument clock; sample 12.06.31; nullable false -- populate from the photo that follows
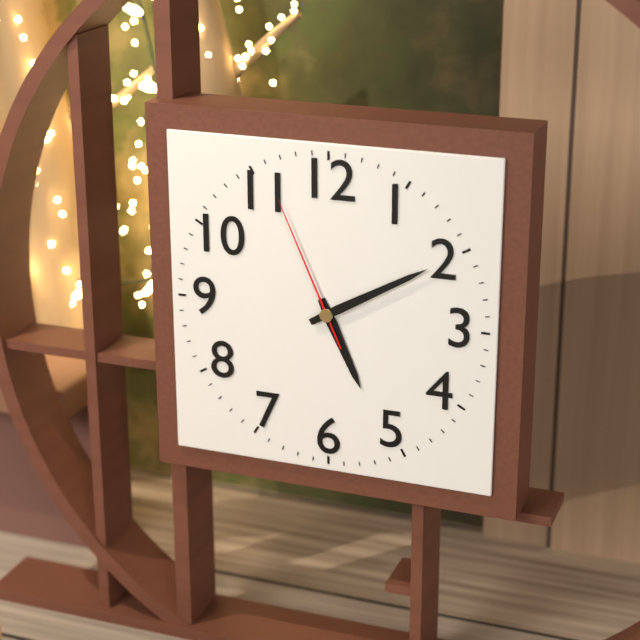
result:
5.10.56
